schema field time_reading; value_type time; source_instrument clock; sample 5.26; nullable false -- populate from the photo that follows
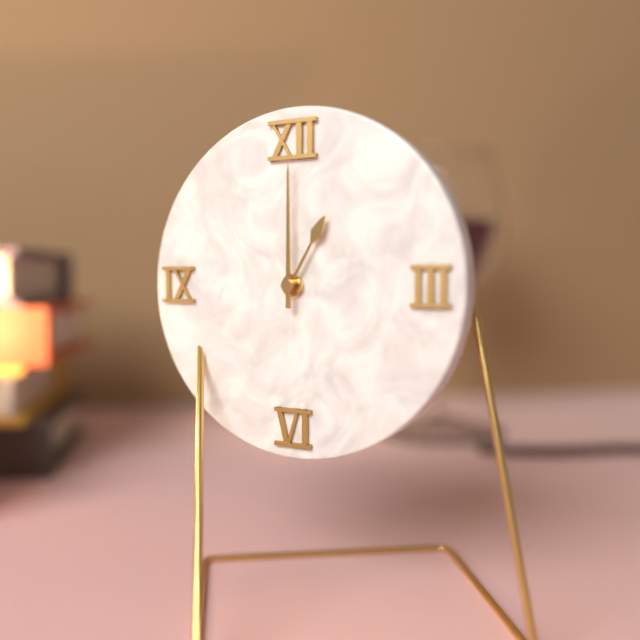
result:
1.00
